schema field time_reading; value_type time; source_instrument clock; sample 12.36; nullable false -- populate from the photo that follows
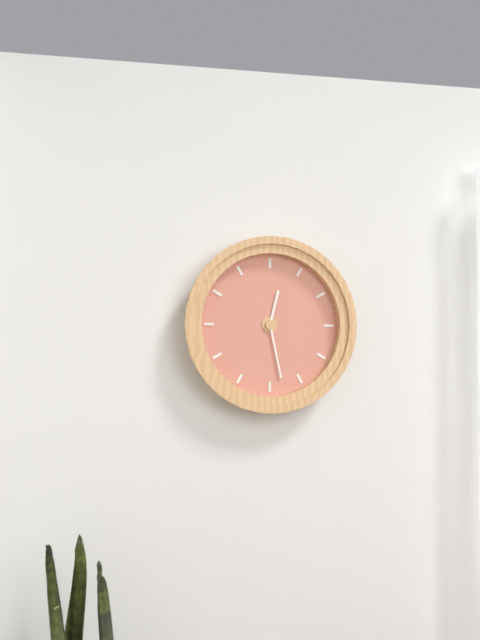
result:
12.28
